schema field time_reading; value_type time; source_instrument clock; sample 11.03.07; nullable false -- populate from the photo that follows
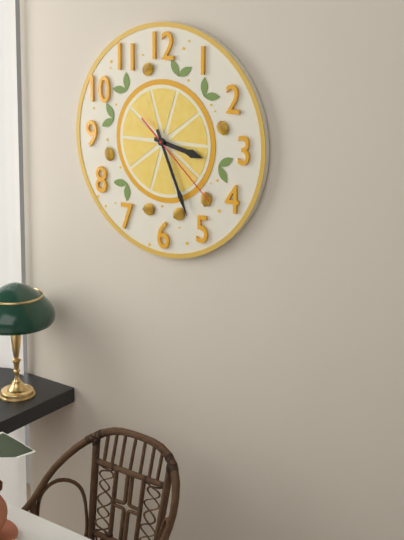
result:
3.26.22
